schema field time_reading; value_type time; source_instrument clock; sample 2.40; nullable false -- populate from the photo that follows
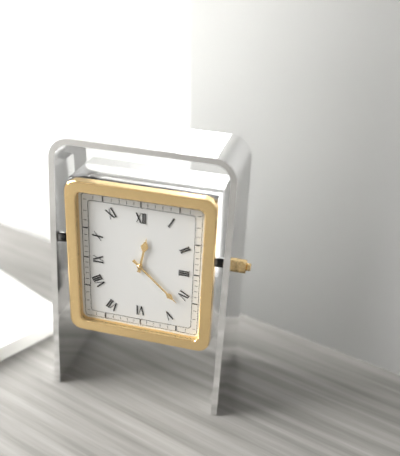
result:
12.22
